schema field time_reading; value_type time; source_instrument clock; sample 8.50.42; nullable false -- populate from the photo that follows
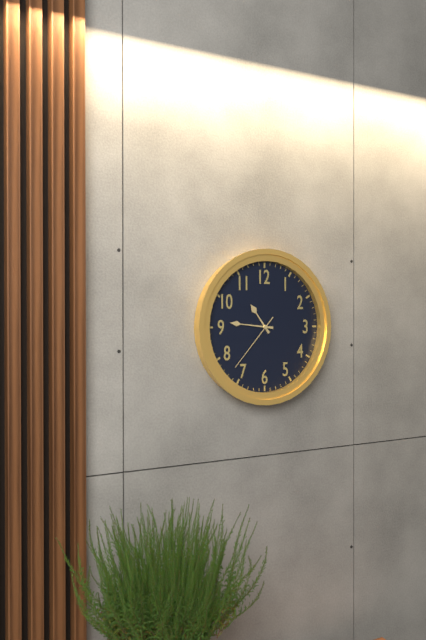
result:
10.46.37
